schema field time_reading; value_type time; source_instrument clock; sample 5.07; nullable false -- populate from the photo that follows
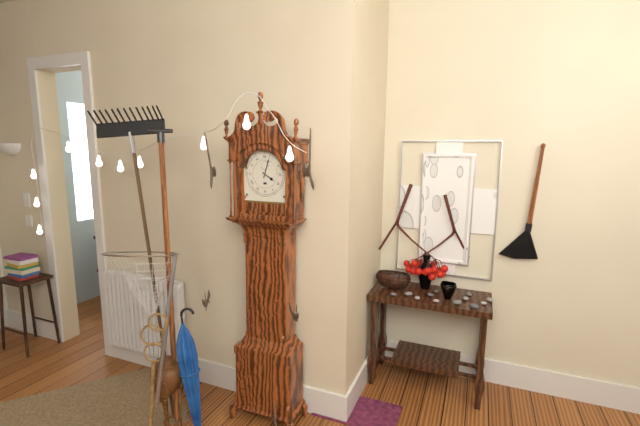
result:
4.03
